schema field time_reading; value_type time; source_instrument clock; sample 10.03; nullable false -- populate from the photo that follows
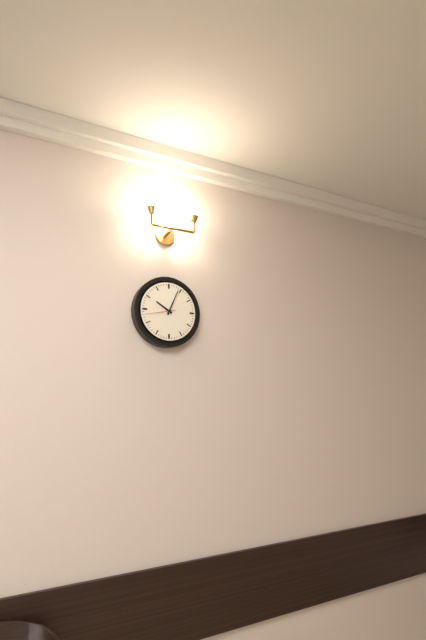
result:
10.04
